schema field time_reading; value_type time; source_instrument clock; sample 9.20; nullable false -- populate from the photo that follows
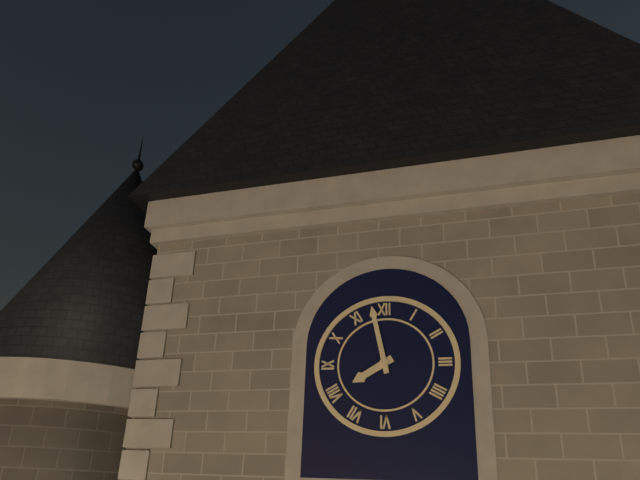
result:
7.58
